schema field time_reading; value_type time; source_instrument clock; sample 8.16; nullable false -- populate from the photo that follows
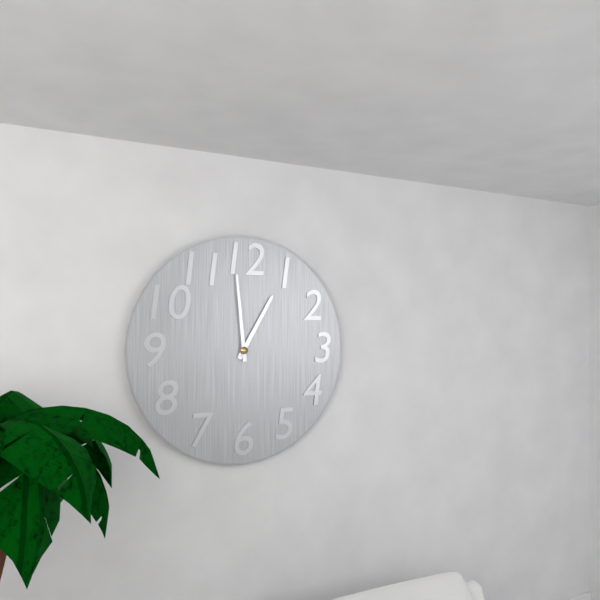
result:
12.59
